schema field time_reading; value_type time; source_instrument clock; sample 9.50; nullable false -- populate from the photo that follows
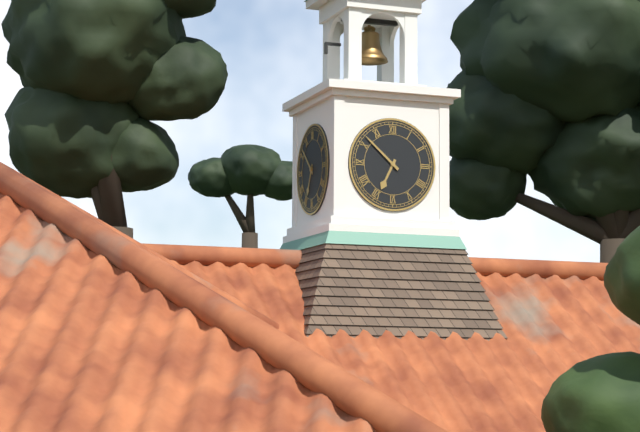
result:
6.52
